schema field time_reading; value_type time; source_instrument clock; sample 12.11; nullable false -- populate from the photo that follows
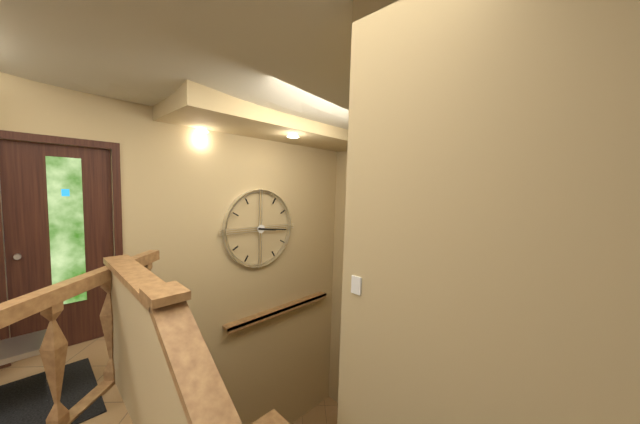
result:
3.16
